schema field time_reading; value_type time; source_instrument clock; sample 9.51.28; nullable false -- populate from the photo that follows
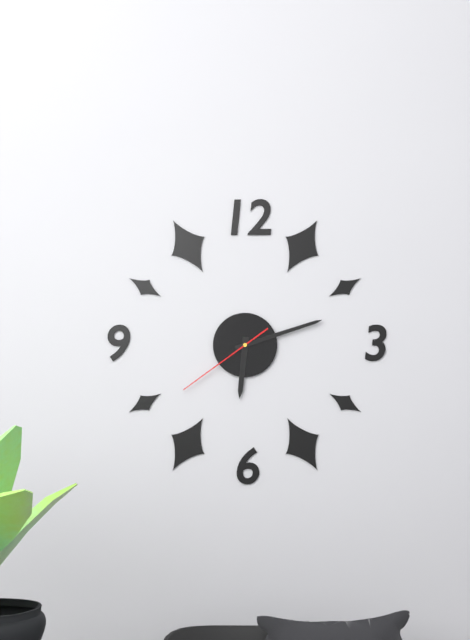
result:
6.12.39
